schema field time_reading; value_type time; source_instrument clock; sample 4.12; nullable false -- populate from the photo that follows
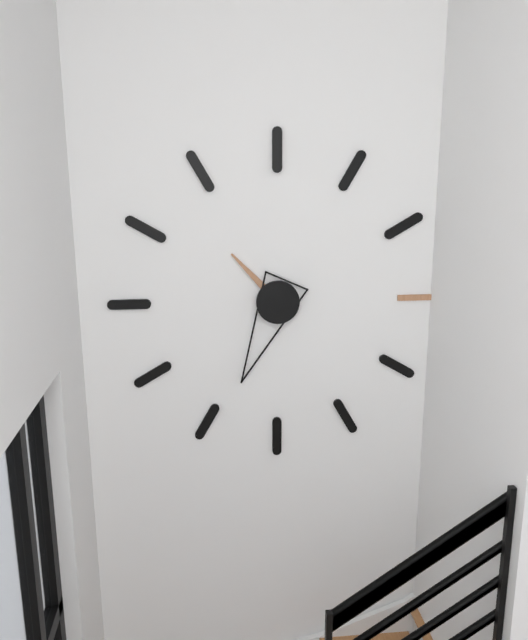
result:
10.34
